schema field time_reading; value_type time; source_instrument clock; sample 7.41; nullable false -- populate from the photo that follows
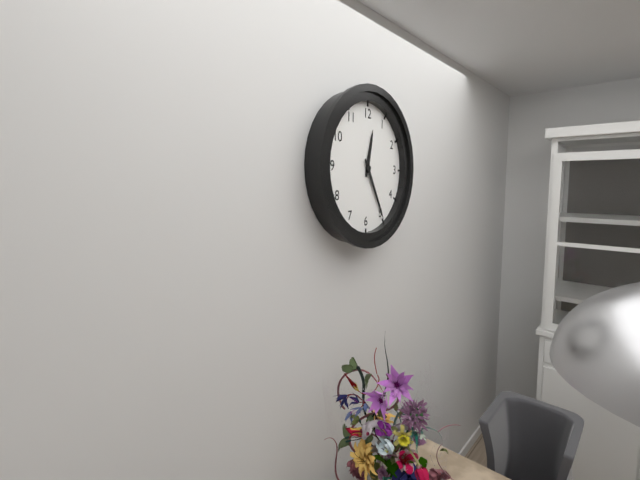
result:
12.25
